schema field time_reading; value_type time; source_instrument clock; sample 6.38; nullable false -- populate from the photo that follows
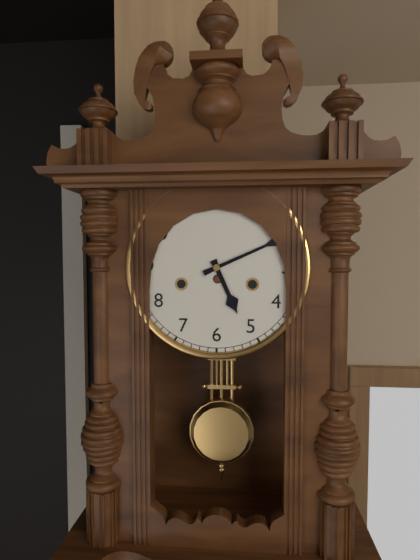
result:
5.11
